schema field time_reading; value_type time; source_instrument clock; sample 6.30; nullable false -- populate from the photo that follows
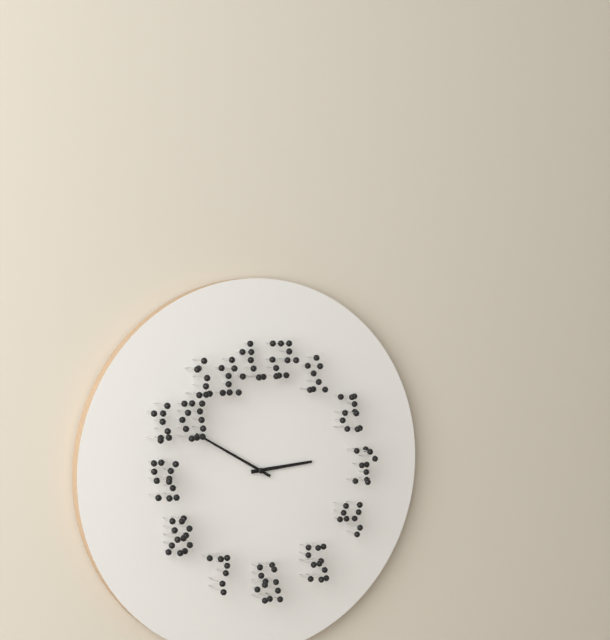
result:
2.50
